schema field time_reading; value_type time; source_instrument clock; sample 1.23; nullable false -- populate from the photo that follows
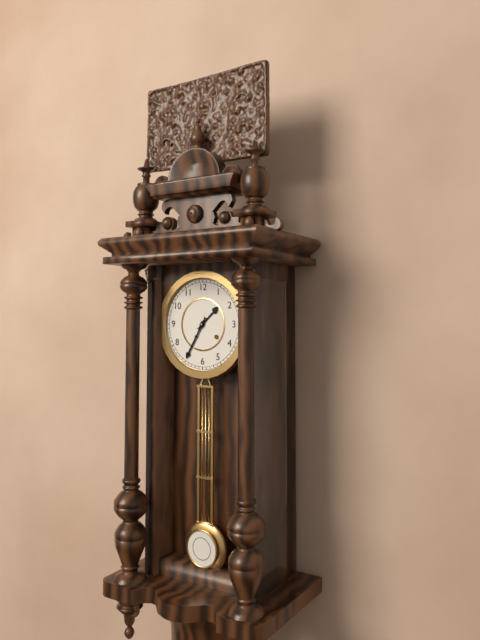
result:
1.35
